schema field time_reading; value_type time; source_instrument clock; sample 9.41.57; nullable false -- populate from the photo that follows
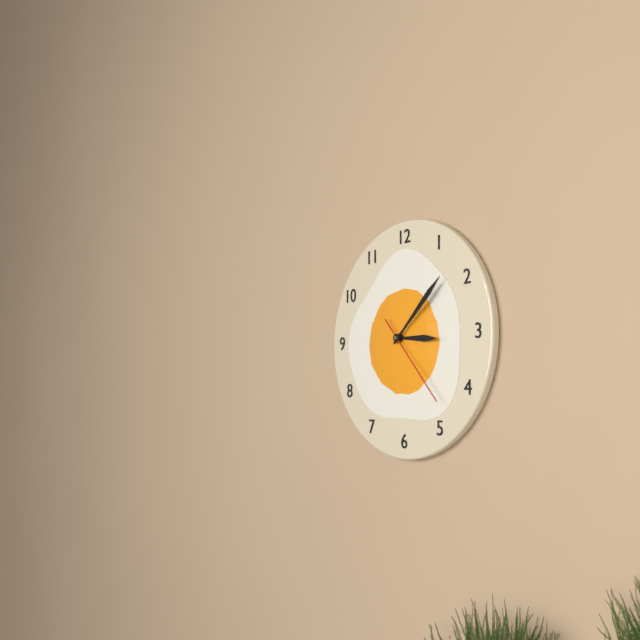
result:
3.08.23
